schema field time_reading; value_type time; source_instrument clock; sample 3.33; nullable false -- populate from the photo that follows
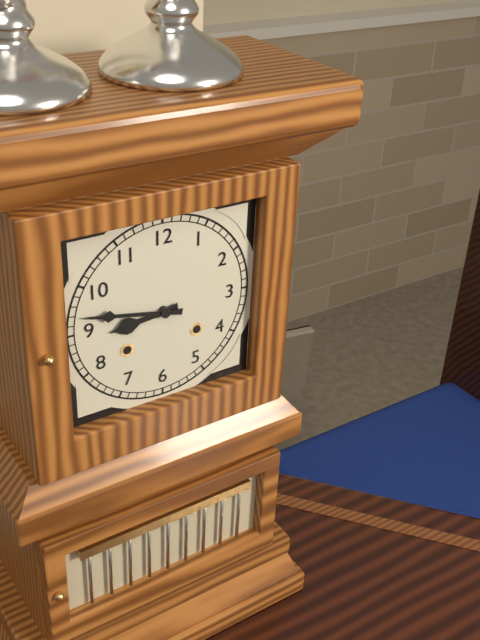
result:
8.47
